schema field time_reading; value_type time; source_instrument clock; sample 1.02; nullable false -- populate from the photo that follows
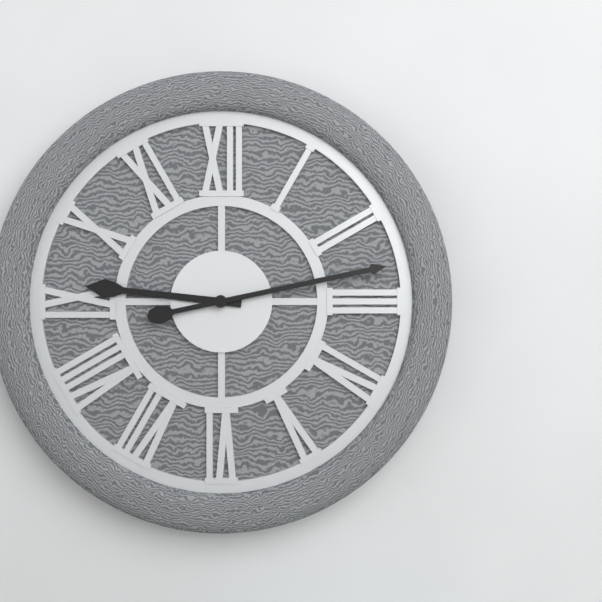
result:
9.13
